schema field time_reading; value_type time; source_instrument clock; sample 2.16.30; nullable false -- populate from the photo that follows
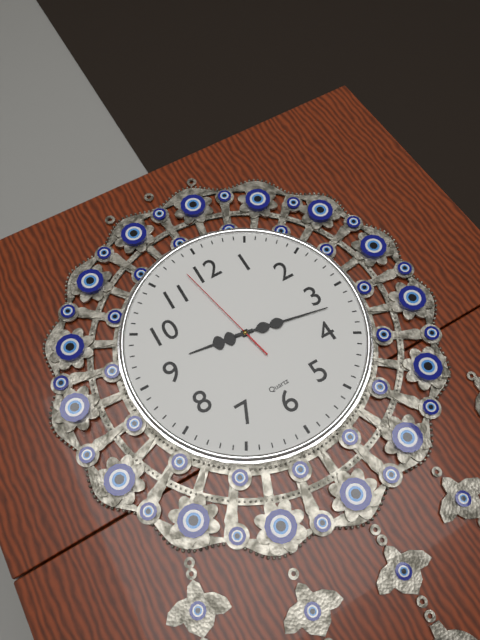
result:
9.17.58
